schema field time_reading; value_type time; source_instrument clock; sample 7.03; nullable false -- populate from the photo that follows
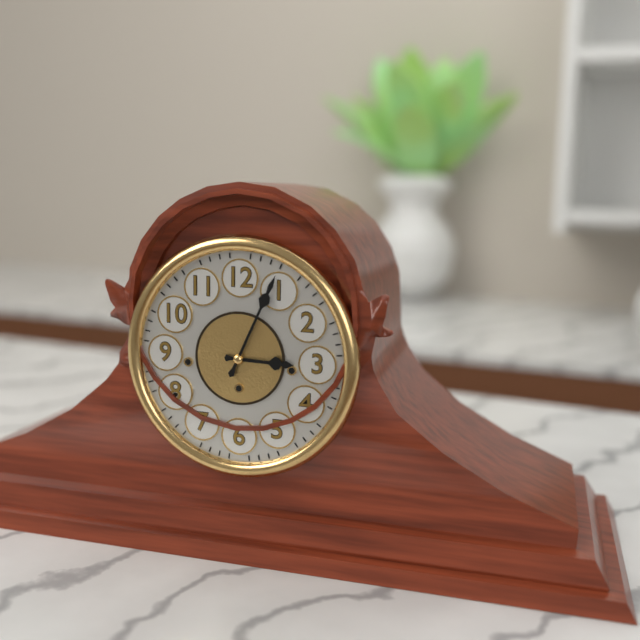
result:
3.04
